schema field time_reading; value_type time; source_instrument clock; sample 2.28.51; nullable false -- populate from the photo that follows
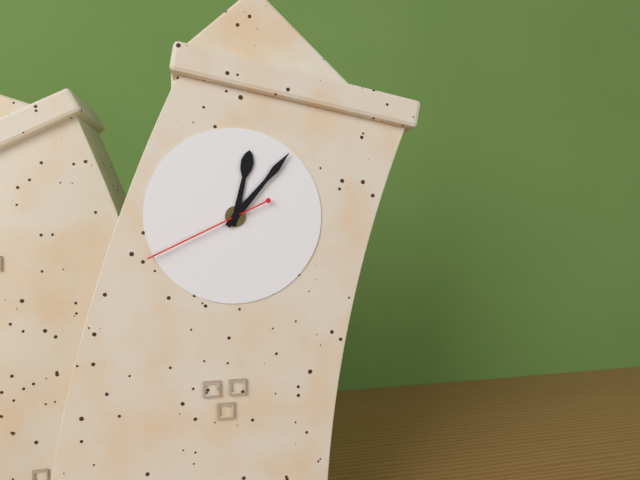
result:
12.05.39
